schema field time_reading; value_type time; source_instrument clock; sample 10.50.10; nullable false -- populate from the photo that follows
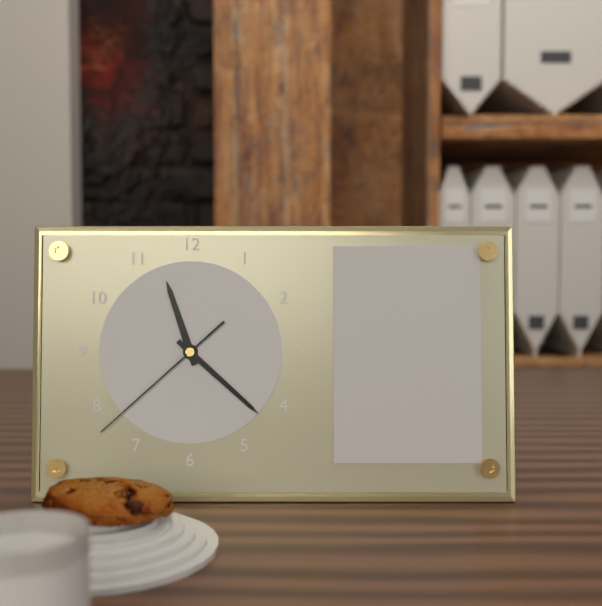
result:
11.22.38
